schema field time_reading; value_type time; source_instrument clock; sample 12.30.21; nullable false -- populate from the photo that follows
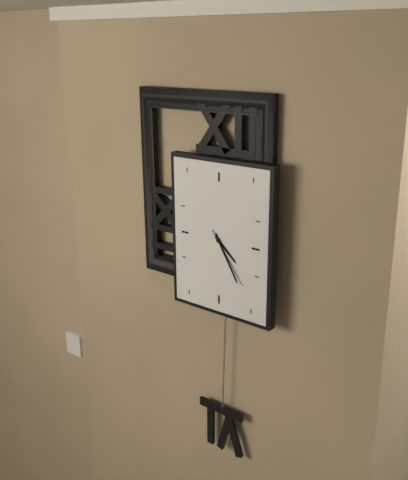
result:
4.25.24
